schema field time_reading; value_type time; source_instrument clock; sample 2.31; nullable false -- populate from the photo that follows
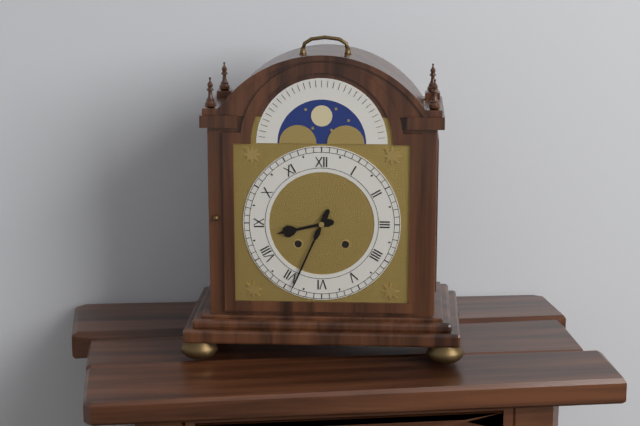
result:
8.34
